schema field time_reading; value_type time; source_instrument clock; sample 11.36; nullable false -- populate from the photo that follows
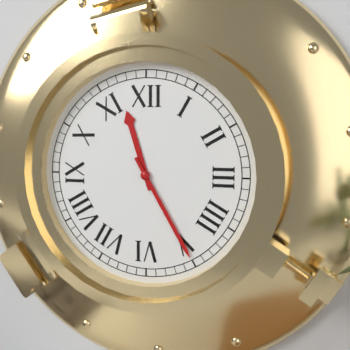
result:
11.25
